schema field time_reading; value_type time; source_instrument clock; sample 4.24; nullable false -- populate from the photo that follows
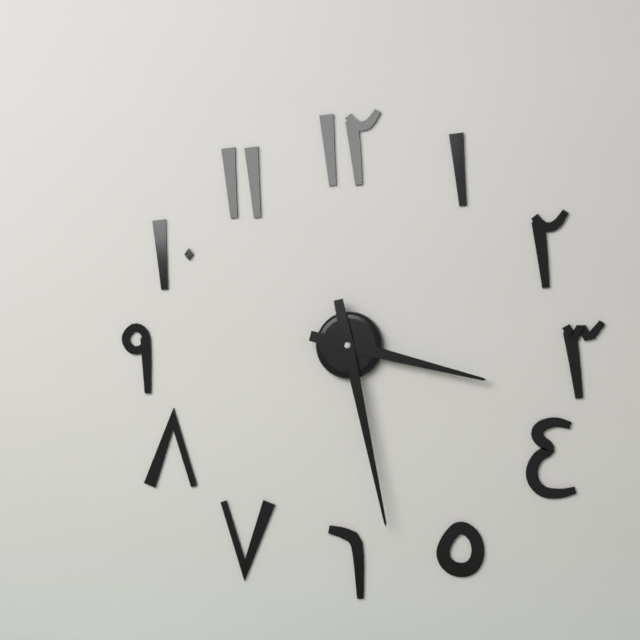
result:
3.28
